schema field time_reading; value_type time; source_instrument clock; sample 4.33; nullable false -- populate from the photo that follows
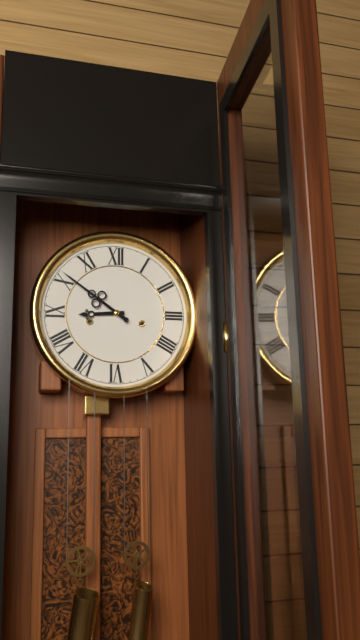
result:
8.51
